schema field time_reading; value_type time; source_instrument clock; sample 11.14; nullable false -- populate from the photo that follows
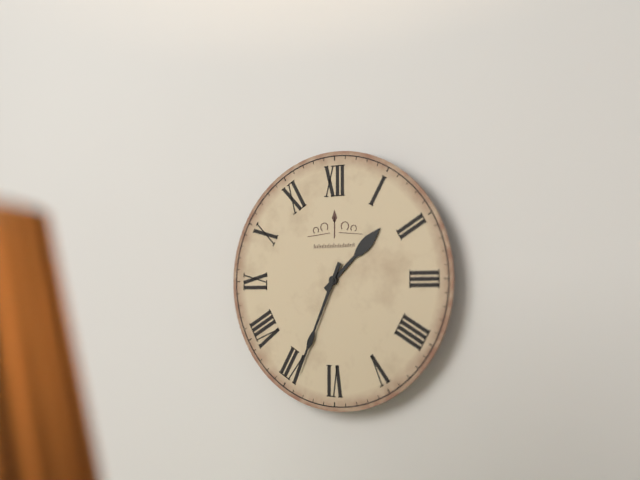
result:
1.34
